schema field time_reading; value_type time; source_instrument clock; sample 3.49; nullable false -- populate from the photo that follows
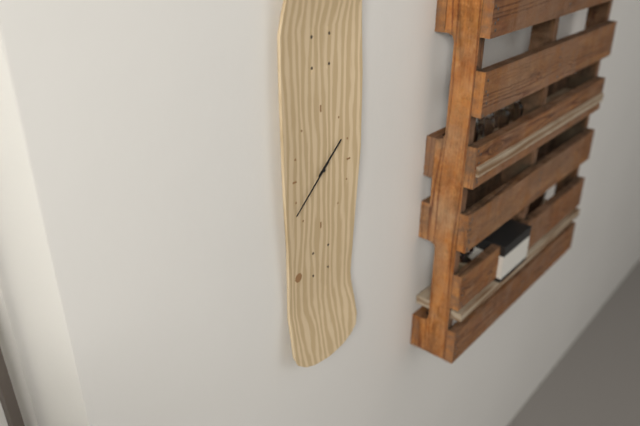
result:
1.38
